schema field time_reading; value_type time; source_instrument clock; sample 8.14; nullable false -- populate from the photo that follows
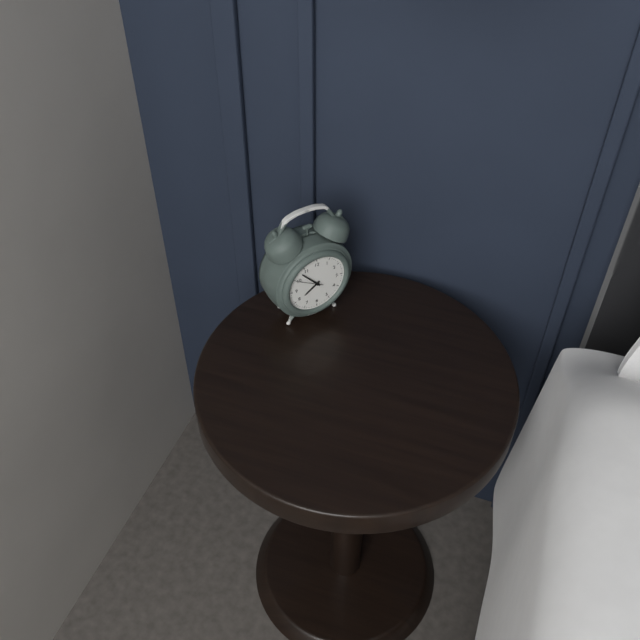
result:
7.53
